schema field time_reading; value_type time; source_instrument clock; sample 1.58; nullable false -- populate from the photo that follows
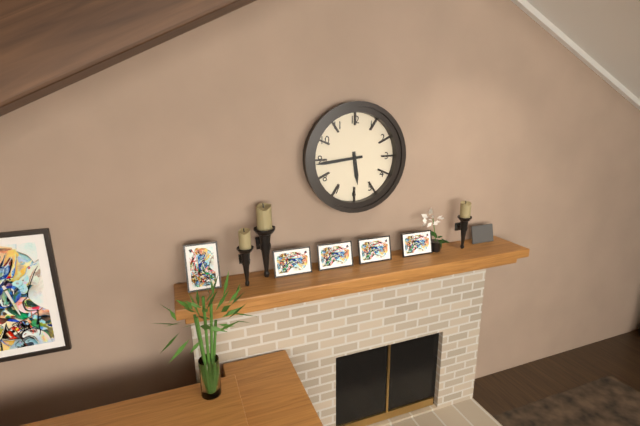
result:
5.44
